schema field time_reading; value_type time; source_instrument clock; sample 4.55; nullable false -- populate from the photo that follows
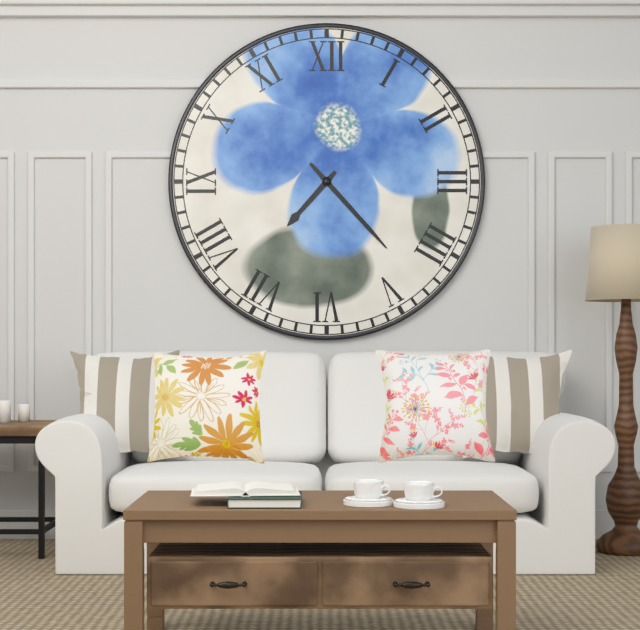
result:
7.23
